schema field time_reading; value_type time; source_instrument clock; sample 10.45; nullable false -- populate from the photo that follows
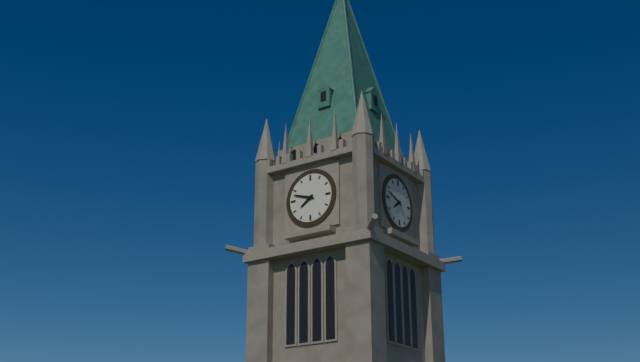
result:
7.48
